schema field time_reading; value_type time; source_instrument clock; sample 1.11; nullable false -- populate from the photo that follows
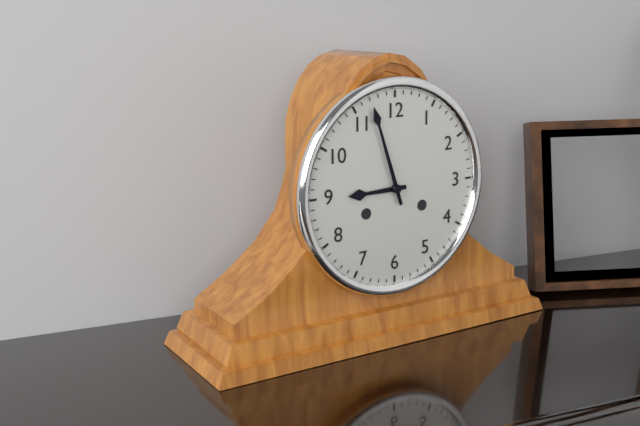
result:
8.57
